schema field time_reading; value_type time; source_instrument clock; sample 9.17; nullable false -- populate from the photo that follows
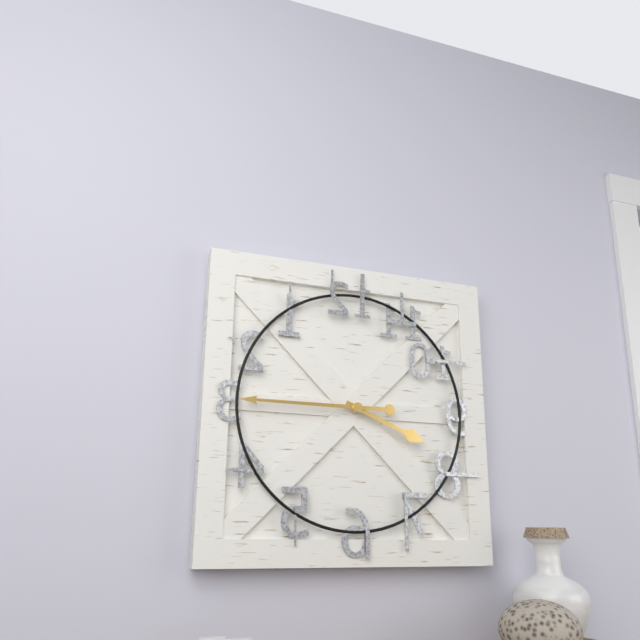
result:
3.45
